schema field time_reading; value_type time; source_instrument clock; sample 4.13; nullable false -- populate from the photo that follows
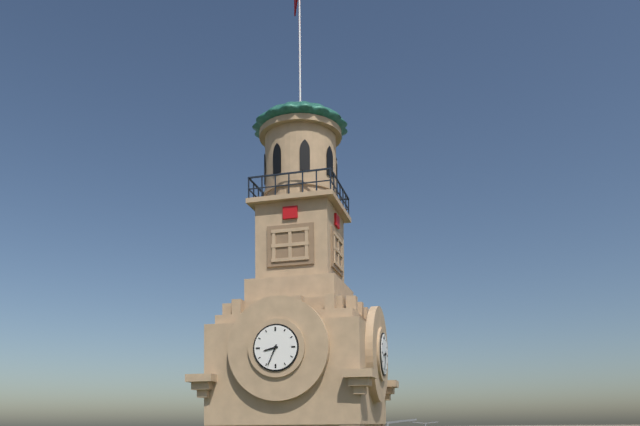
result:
8.34
